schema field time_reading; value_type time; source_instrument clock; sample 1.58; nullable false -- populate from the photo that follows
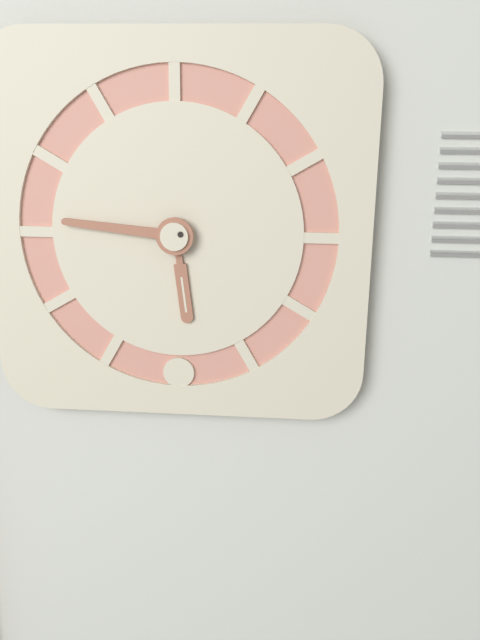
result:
5.46
